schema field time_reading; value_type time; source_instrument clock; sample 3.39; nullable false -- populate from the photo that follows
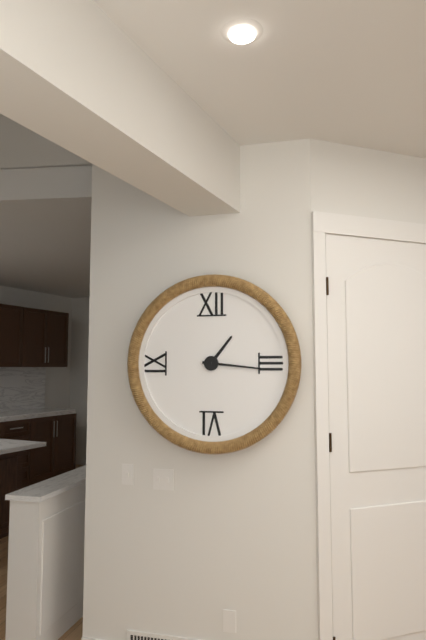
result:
1.16
